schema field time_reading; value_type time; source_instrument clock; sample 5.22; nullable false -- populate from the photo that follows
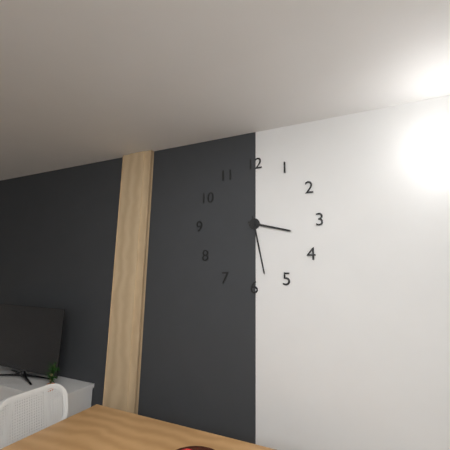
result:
3.28
